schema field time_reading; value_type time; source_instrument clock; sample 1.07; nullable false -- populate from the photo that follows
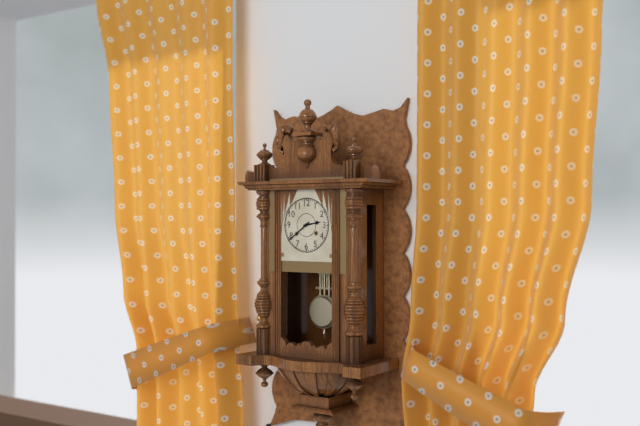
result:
2.39
